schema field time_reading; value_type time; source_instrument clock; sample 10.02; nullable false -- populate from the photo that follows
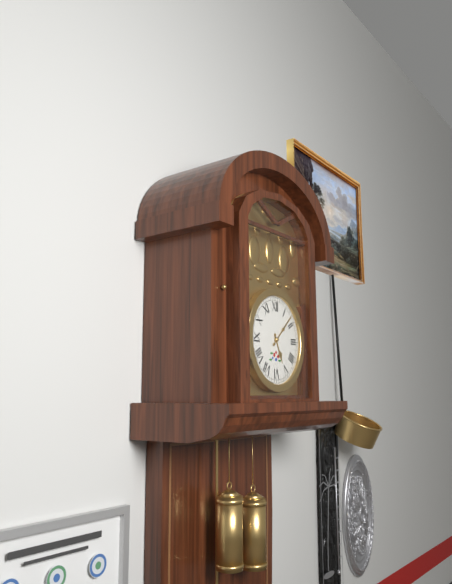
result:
5.08
